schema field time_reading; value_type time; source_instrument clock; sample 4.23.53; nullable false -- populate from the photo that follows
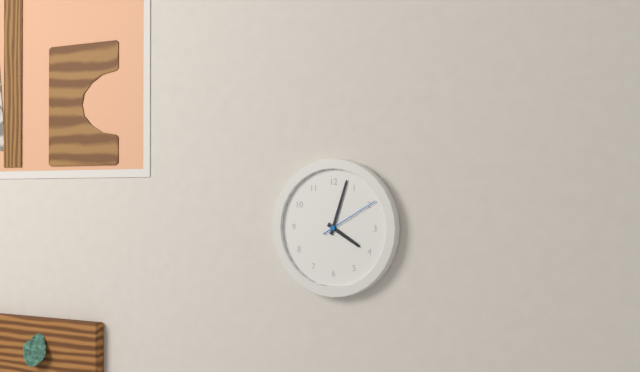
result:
4.03.10
